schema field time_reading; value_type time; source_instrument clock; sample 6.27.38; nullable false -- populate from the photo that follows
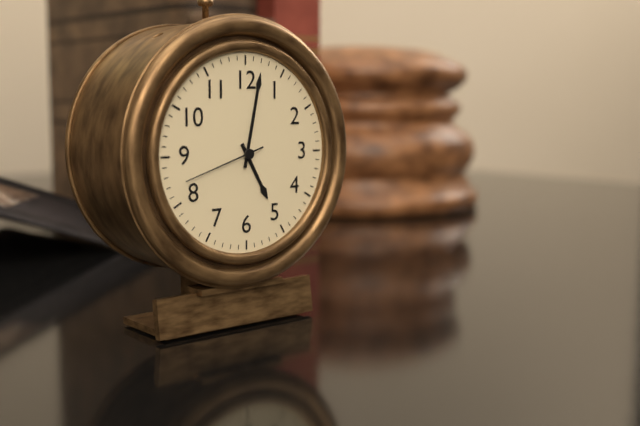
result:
5.02.42
